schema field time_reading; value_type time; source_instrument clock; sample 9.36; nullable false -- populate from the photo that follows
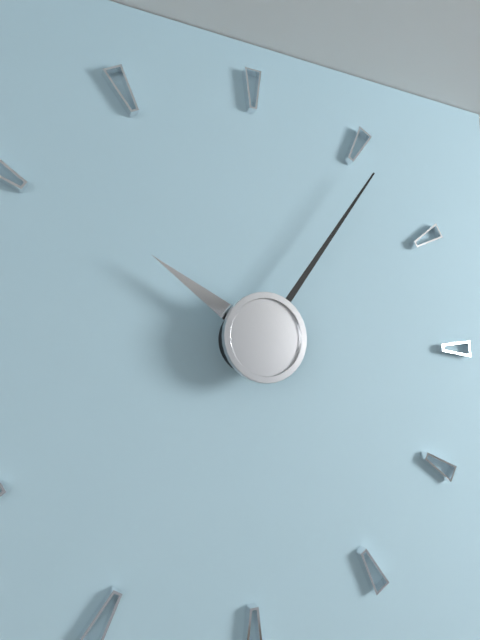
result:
10.06
